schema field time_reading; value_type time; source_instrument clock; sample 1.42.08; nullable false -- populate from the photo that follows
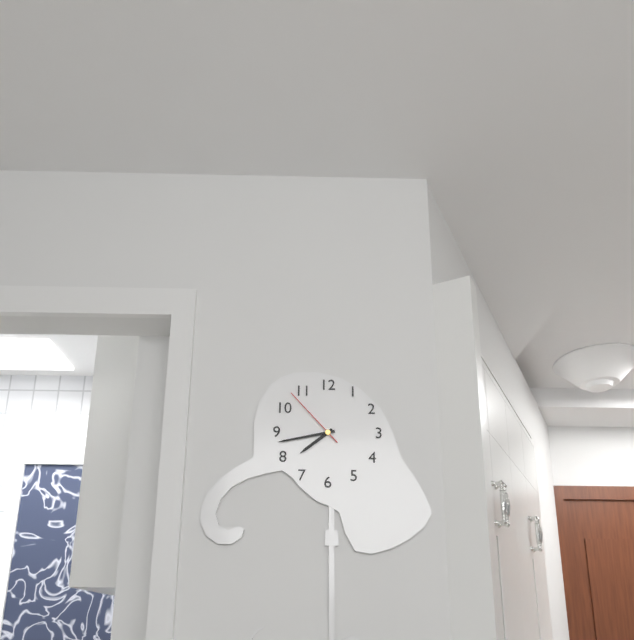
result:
7.43.53
